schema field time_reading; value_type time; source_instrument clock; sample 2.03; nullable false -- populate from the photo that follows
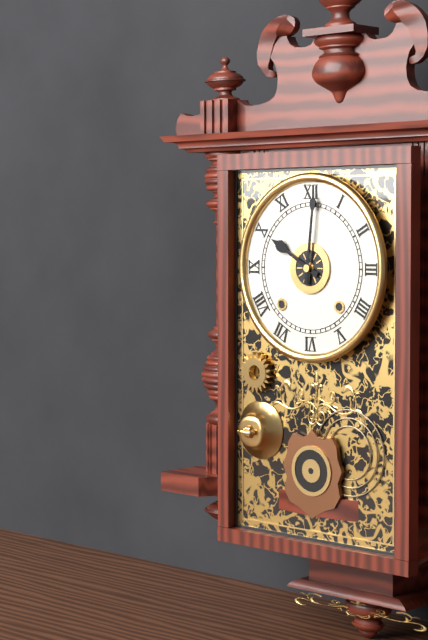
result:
10.01
